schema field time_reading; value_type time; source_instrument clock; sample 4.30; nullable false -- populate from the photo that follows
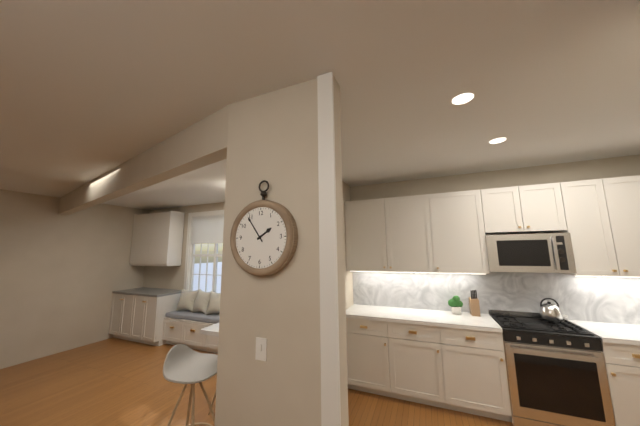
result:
1.54
